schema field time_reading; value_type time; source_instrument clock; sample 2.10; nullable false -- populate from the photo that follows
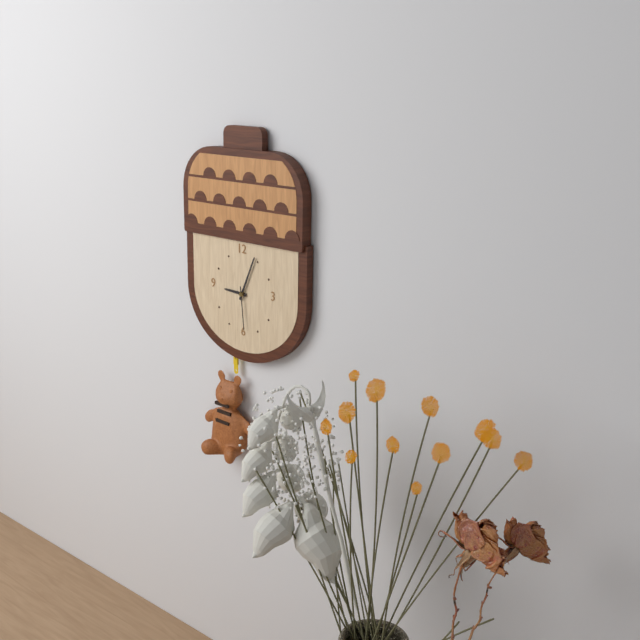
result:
9.04
